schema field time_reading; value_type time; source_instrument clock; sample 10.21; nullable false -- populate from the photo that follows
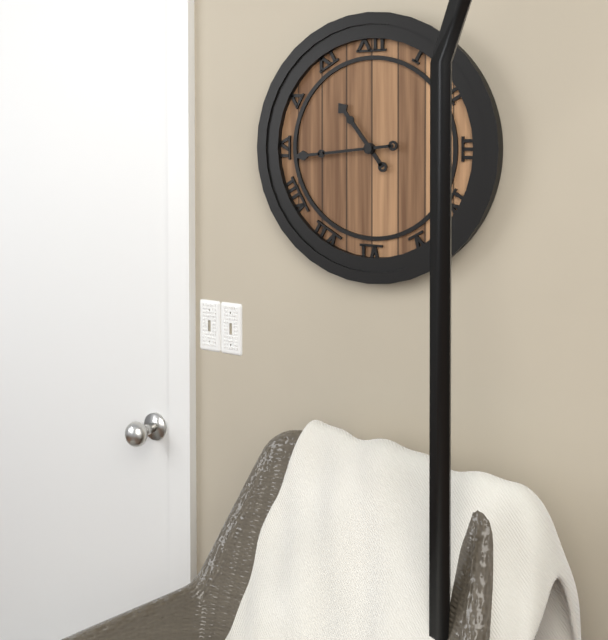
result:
10.44
